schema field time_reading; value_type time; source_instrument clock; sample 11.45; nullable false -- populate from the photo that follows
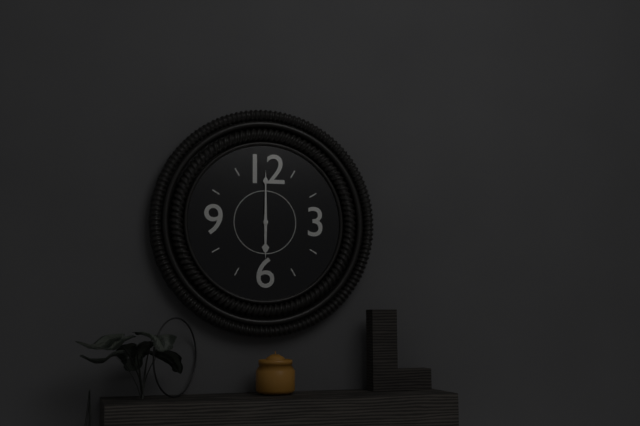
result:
6.00
